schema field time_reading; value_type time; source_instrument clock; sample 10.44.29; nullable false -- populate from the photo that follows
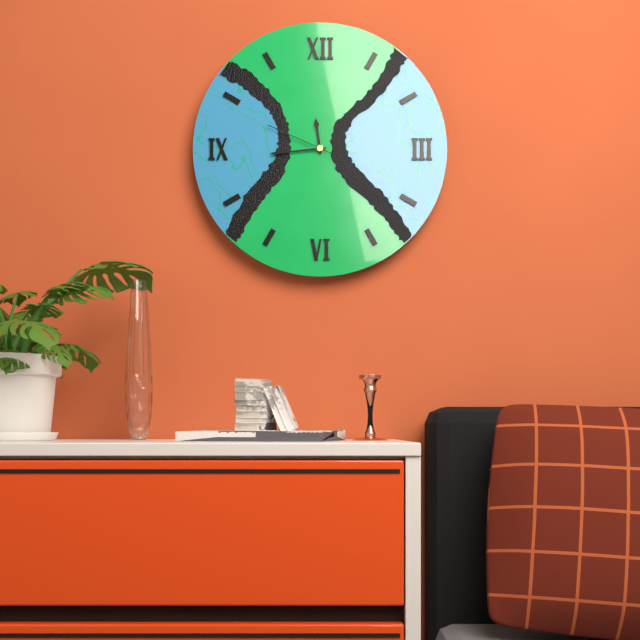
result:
11.44.49
